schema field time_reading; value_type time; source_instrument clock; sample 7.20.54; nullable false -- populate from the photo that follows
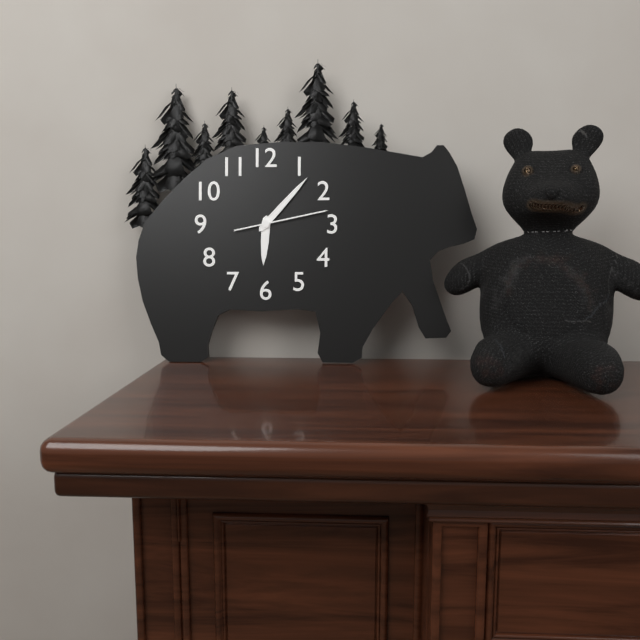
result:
6.07.13
